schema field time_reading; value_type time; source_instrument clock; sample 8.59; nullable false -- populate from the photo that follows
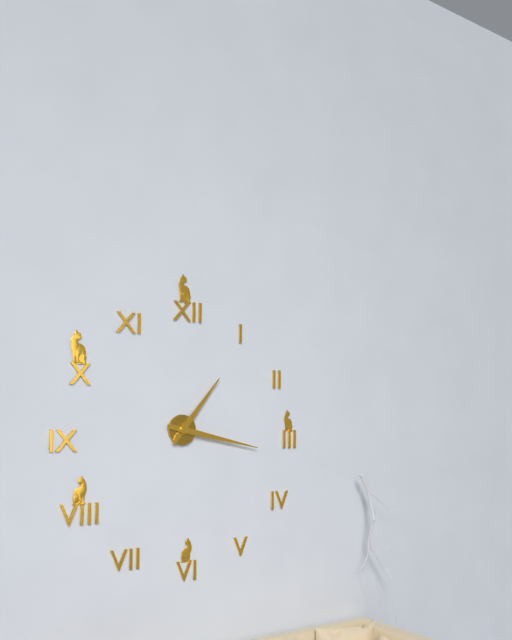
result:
1.17
